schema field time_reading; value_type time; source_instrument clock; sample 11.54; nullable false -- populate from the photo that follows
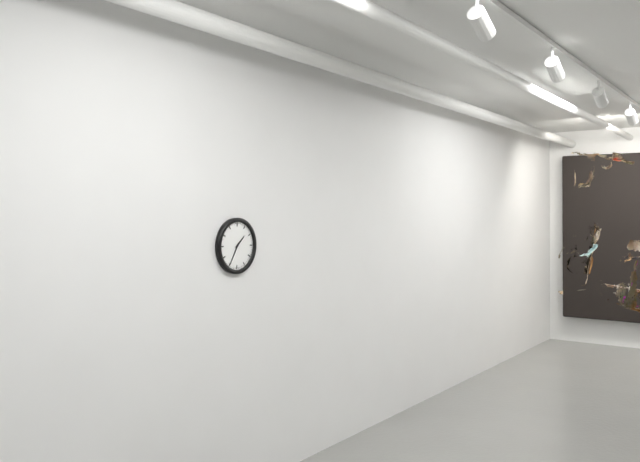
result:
1.35
